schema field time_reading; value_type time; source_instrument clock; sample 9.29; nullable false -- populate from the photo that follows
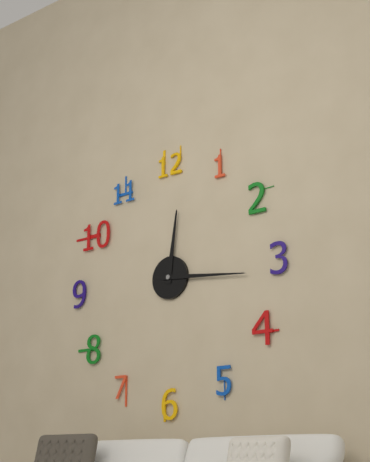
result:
12.16
